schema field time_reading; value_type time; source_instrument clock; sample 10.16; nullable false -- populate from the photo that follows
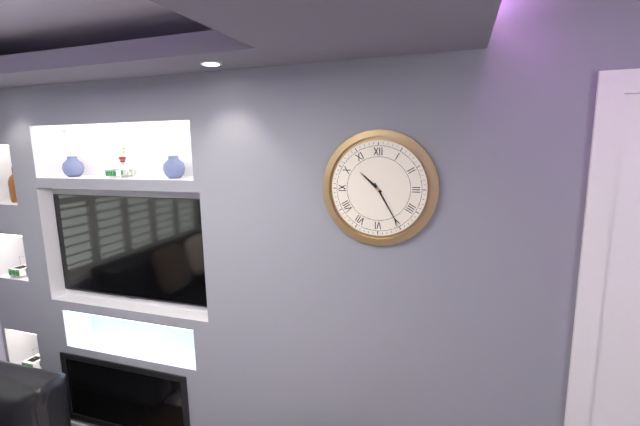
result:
10.25
